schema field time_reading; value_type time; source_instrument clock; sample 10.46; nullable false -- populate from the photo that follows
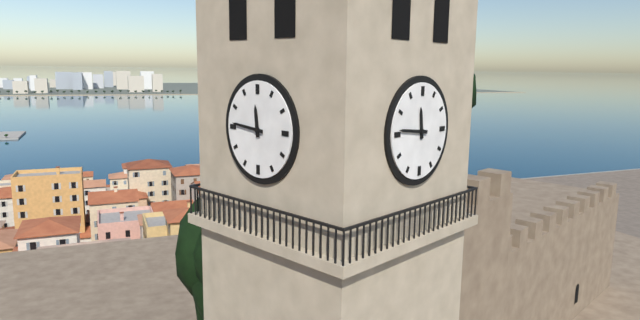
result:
11.46
